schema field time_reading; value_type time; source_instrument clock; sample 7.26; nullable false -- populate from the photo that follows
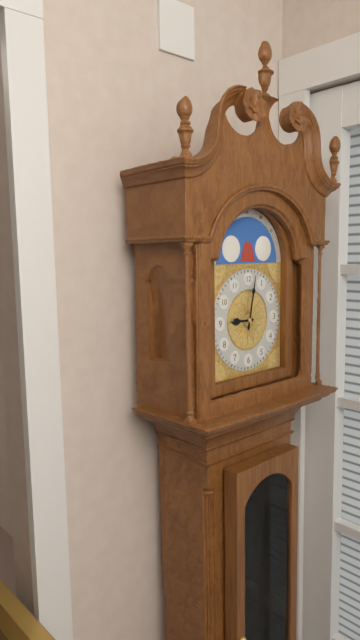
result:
9.02
